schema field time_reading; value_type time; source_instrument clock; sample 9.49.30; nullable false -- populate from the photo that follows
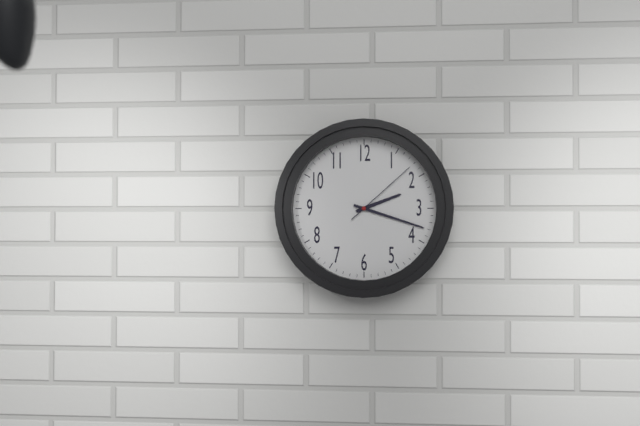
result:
2.18.08
